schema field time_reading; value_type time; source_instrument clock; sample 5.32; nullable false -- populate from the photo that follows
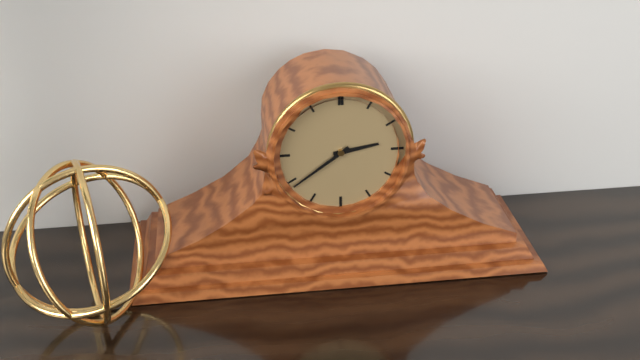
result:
2.39
